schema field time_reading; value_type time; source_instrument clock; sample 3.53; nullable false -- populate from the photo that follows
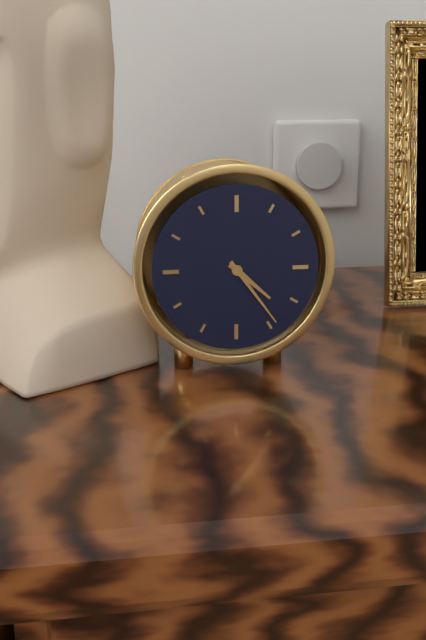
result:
4.24
